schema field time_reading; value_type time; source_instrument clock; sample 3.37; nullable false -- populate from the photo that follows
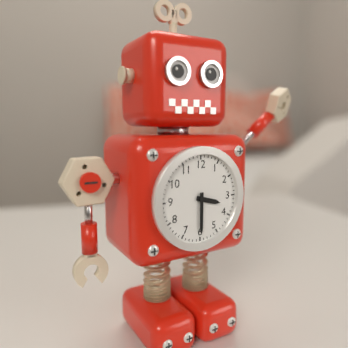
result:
3.30
